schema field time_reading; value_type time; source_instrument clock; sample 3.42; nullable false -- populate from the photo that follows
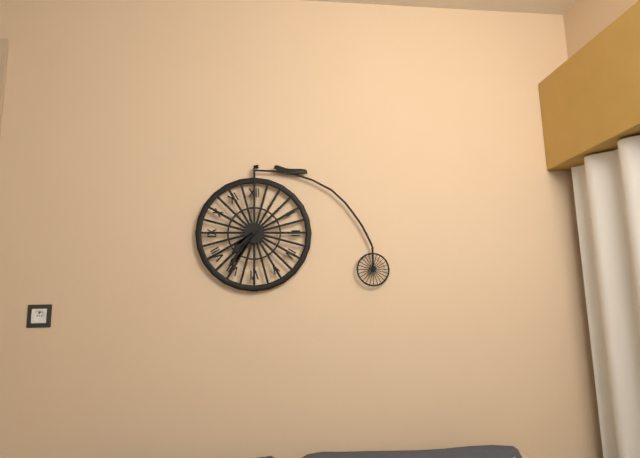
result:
7.36
